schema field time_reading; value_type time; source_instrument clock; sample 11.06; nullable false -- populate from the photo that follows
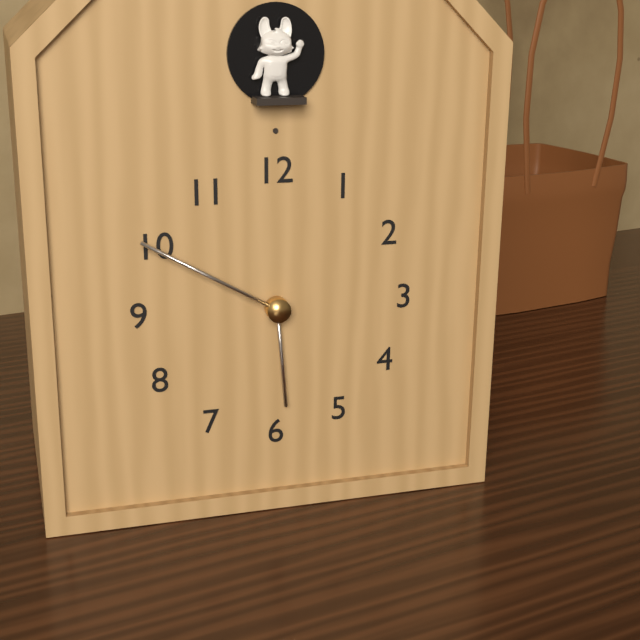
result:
5.50
